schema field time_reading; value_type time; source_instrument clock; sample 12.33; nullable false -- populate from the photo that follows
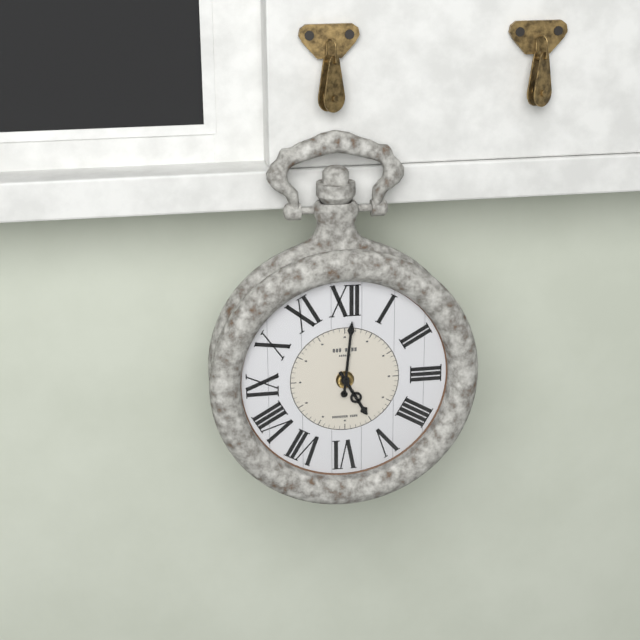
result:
5.01
